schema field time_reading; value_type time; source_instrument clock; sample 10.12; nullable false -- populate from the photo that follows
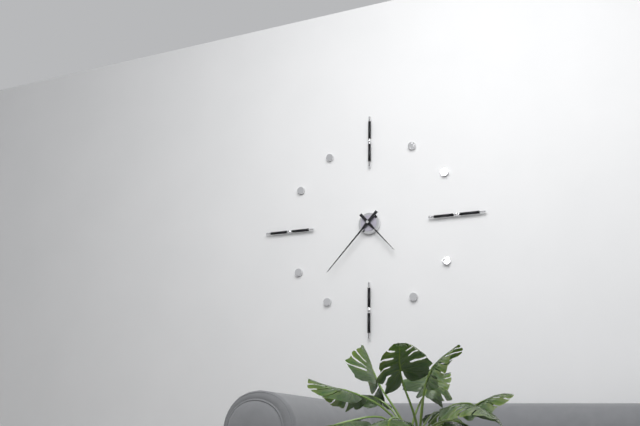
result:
4.37
